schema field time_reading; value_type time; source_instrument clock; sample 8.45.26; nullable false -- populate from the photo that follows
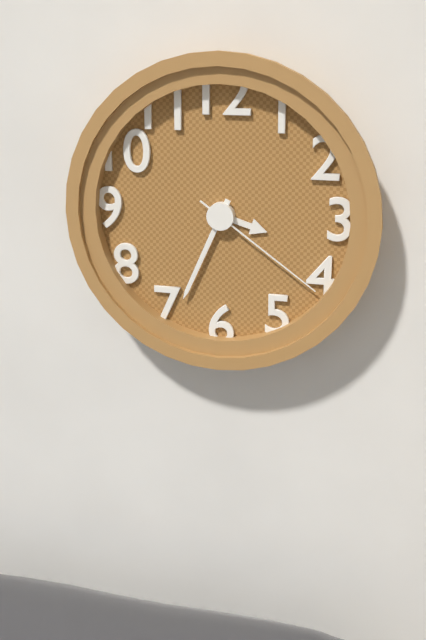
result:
3.34.21
